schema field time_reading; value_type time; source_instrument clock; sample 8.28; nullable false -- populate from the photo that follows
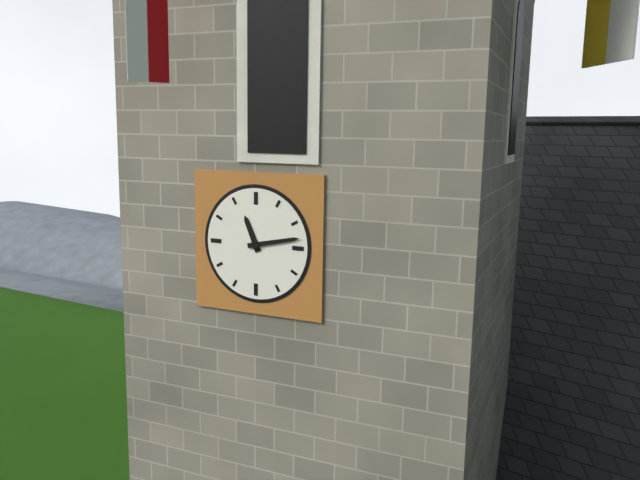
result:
11.13
